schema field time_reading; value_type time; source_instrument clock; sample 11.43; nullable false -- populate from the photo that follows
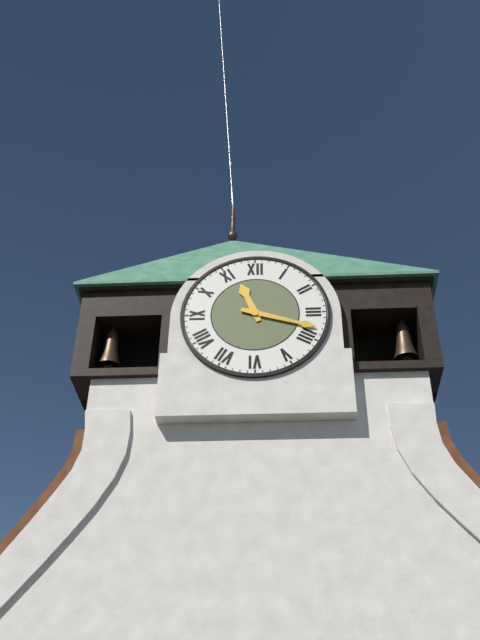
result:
11.18
